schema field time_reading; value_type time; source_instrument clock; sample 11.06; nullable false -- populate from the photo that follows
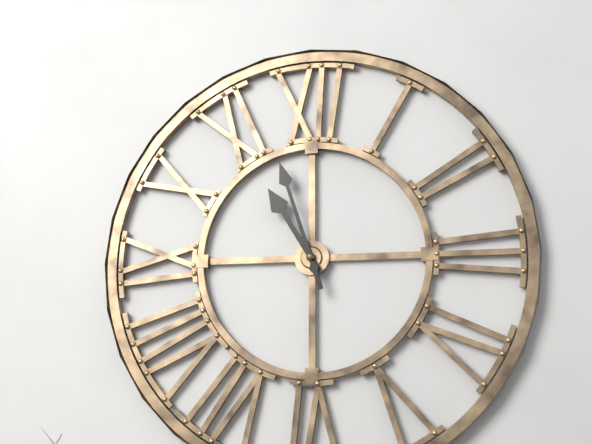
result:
10.57
